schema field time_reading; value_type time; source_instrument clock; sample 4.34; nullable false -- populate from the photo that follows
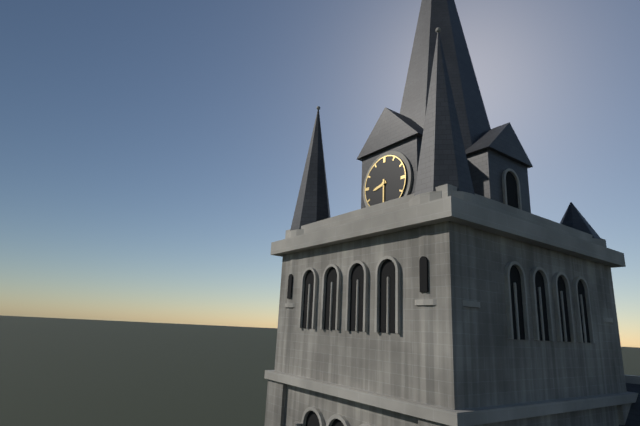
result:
8.30
